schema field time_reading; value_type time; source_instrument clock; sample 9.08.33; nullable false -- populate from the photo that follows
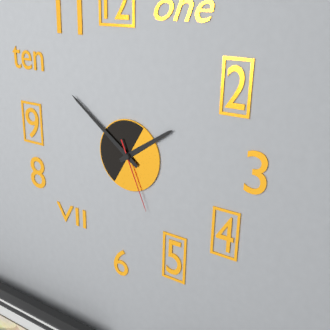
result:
1.51.26
